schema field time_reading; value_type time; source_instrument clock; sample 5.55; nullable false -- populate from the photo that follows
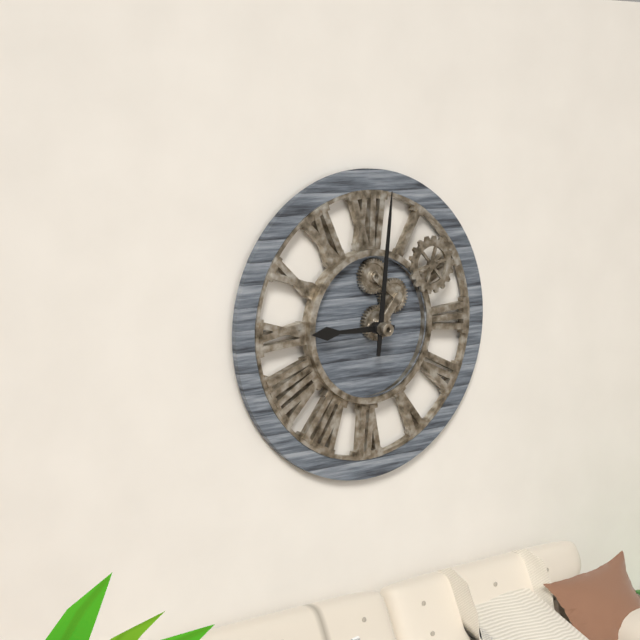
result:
9.01
